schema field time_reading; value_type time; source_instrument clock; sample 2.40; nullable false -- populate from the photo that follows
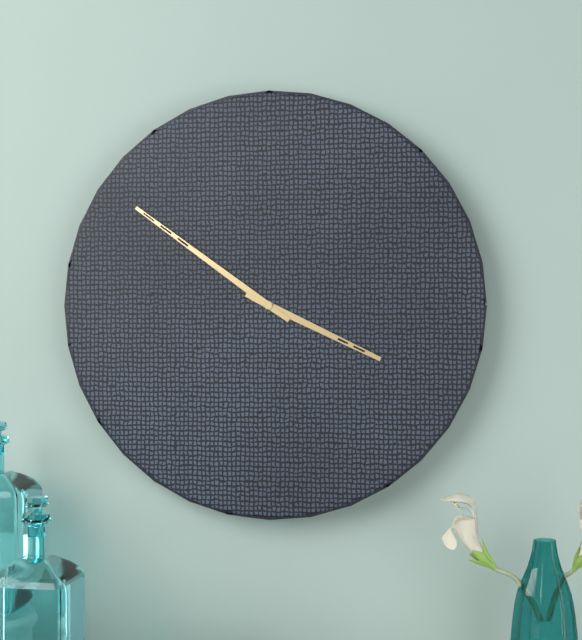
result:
3.51
